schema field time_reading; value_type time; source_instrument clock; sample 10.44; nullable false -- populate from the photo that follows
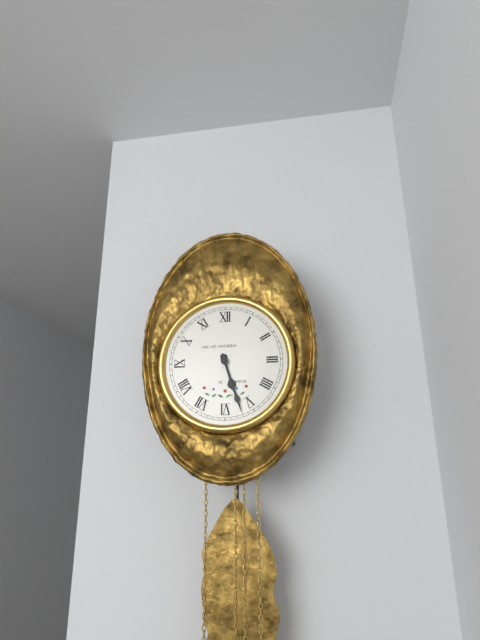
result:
5.27
